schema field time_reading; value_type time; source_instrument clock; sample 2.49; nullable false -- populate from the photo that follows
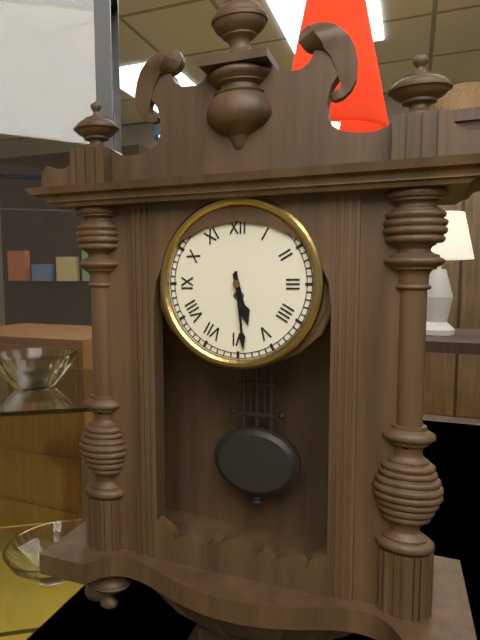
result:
5.29
